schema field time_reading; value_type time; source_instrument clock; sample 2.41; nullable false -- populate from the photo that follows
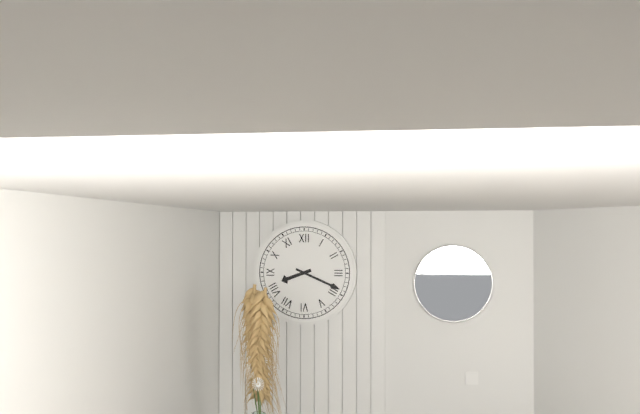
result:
8.19
